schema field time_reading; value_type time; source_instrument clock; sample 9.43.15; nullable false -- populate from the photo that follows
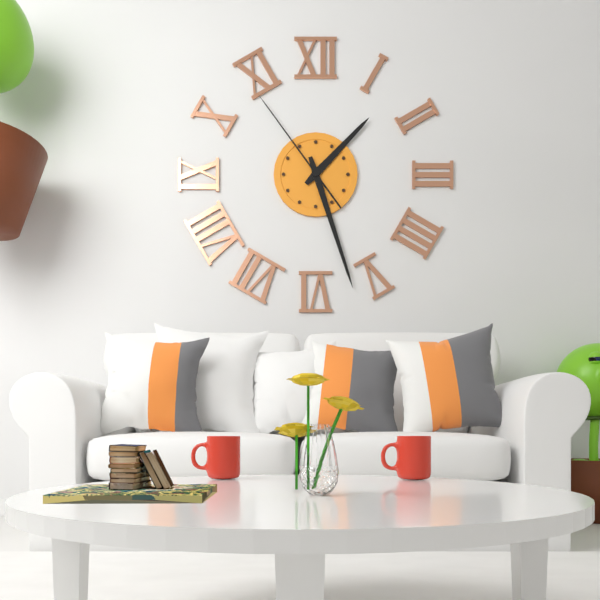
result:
1.27.54
